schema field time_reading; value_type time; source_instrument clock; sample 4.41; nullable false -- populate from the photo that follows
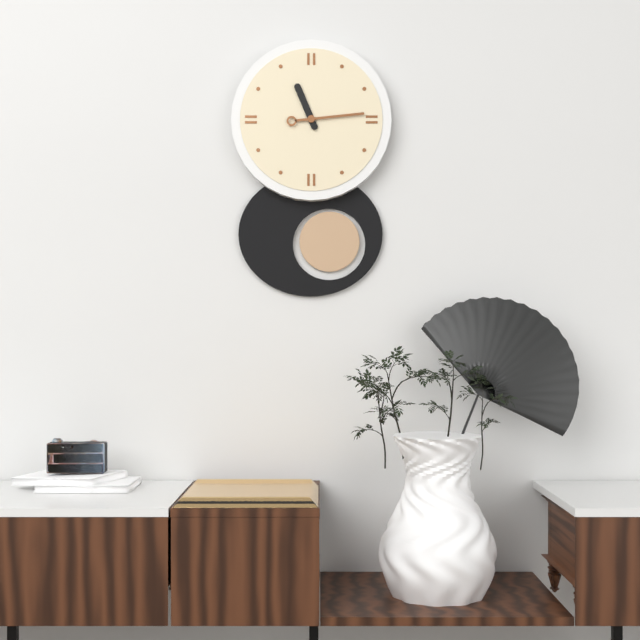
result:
11.14
